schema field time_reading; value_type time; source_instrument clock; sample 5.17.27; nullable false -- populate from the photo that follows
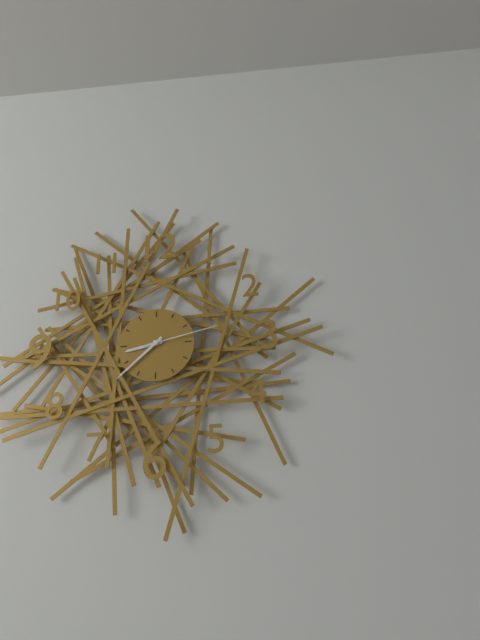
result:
8.38.13
